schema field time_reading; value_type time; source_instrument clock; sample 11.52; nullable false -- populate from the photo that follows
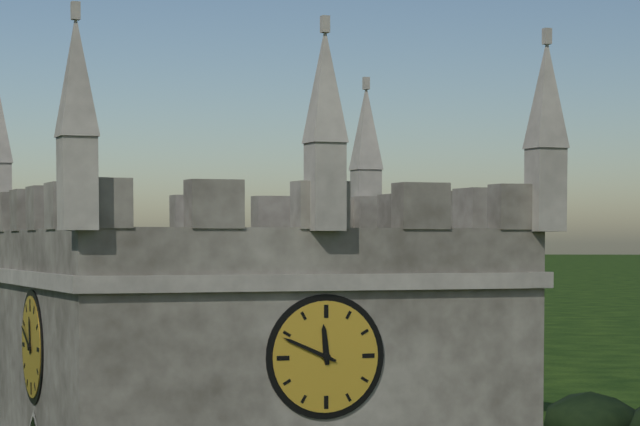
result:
11.49
